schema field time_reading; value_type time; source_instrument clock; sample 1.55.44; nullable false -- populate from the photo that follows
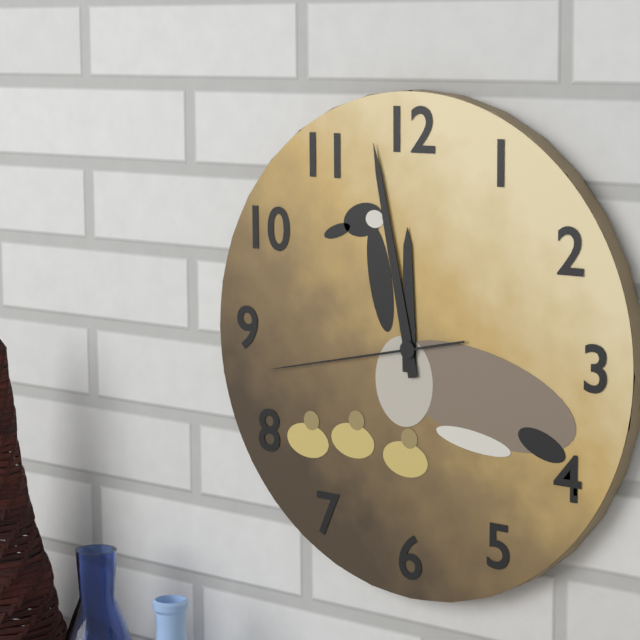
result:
11.58.43
